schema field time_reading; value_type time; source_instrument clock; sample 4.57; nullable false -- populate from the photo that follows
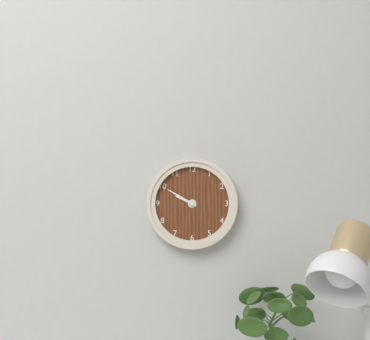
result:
9.50
